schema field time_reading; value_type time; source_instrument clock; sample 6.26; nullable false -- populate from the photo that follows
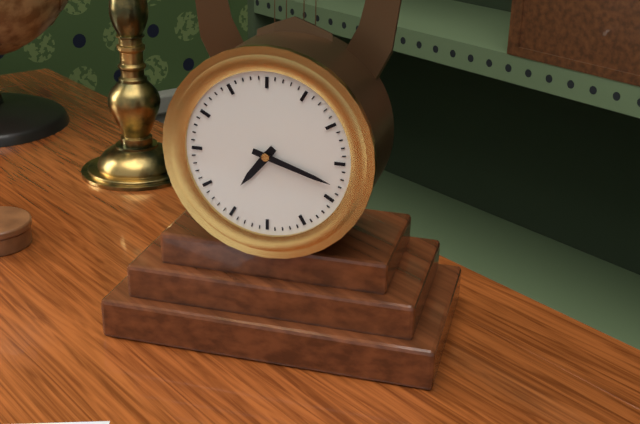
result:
7.18
